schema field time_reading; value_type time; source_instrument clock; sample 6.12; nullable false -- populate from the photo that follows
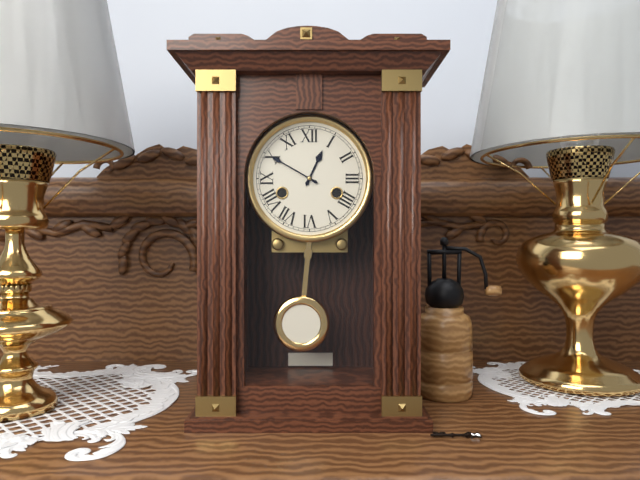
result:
12.50
